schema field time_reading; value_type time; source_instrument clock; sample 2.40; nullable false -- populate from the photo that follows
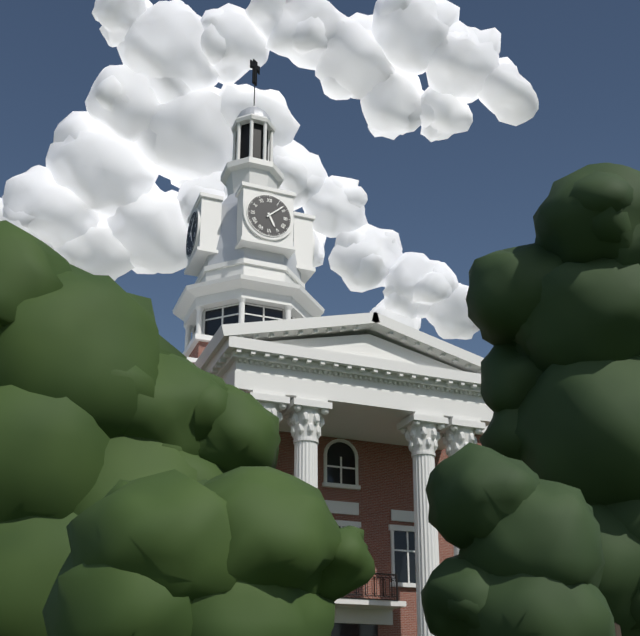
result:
5.08
